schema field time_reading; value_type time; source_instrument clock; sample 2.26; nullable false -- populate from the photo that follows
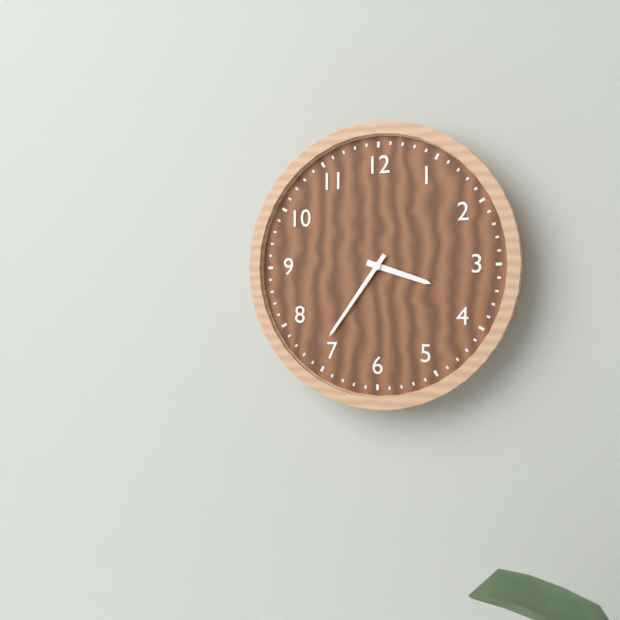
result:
3.36
